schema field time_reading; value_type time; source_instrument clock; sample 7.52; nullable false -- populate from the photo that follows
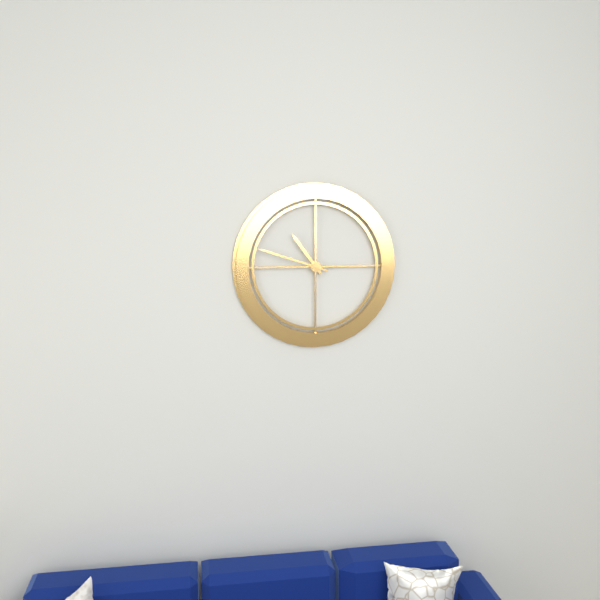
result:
10.48
